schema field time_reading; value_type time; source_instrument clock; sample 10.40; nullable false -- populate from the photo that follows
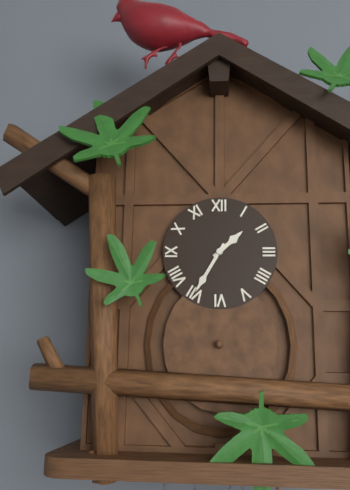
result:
1.35
